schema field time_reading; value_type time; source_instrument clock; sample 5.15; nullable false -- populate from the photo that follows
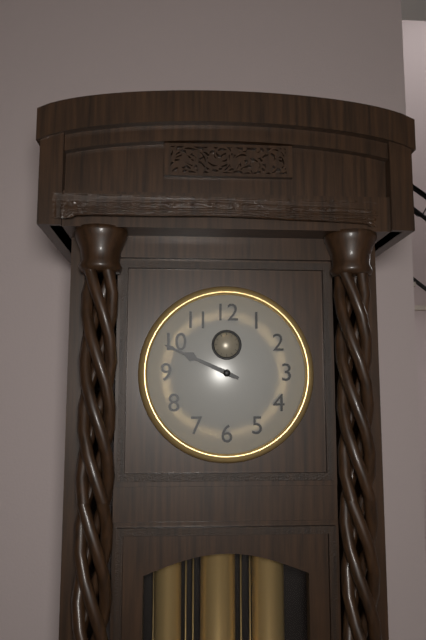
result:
9.49
